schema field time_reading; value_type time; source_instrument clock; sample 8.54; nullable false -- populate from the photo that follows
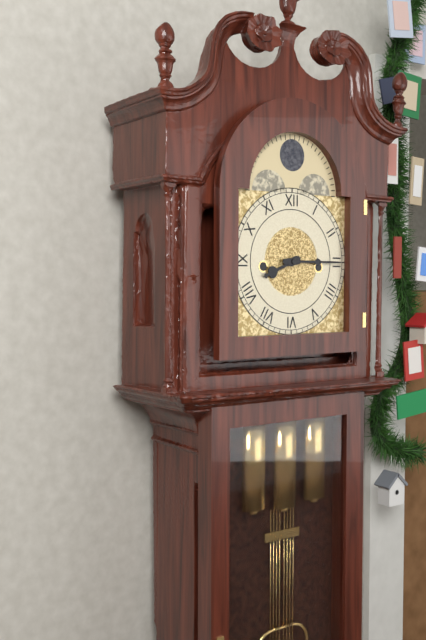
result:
8.15
